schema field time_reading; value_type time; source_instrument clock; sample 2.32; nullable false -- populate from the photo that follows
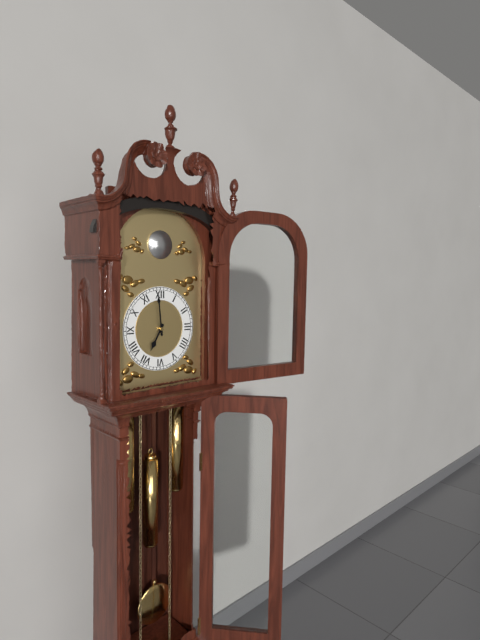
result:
6.59
